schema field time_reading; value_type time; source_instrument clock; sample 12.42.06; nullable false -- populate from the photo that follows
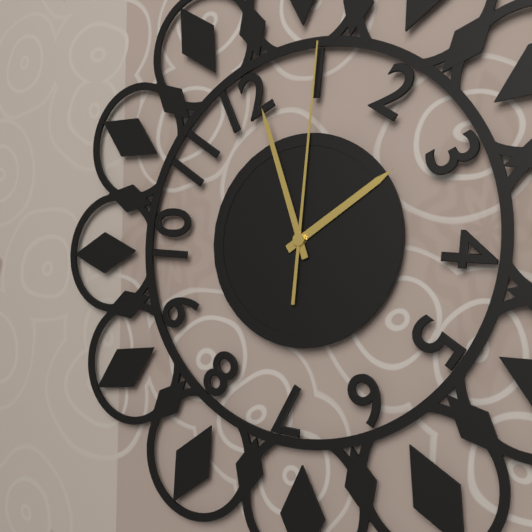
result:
1.57.01
